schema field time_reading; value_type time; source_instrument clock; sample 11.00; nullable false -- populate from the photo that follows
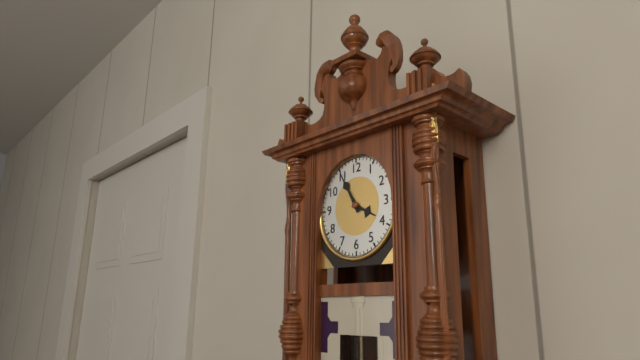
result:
3.55
